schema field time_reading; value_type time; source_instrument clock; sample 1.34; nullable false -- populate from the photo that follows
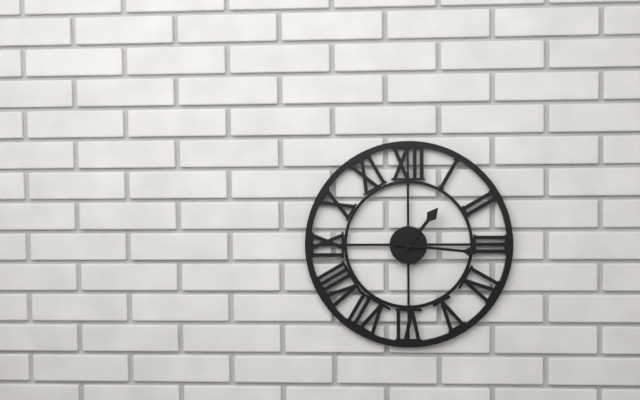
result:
1.16
